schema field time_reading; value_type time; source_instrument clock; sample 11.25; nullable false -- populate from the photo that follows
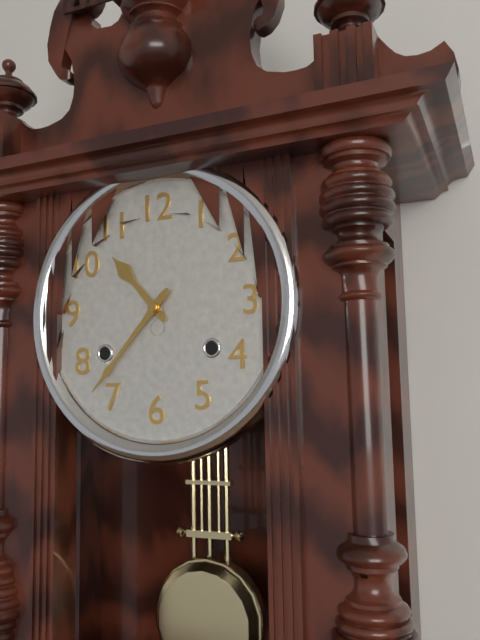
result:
10.37
